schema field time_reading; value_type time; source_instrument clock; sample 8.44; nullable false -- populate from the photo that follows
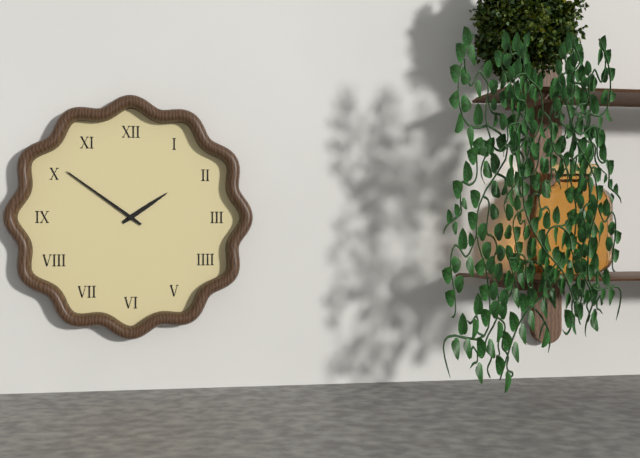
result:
1.51
